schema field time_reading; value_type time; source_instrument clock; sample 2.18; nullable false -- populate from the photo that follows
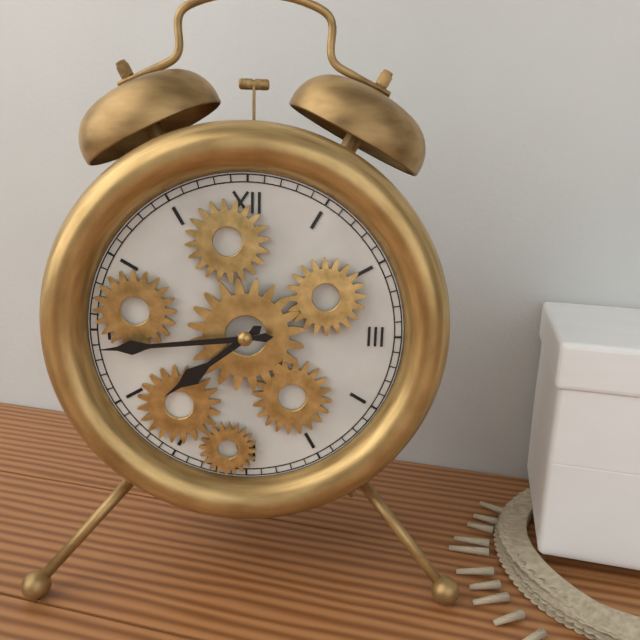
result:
7.44
